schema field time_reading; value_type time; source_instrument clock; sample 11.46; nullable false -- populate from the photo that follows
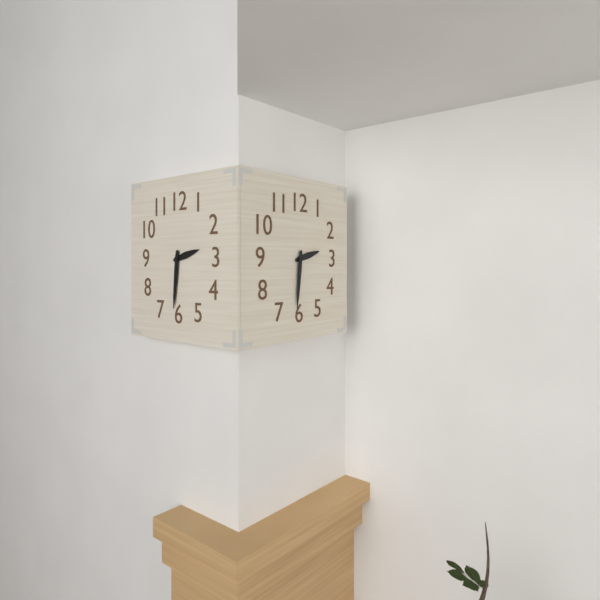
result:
2.31
